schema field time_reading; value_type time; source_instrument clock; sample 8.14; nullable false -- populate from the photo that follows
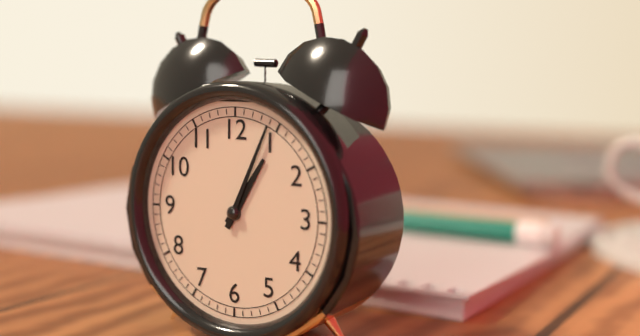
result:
1.04
